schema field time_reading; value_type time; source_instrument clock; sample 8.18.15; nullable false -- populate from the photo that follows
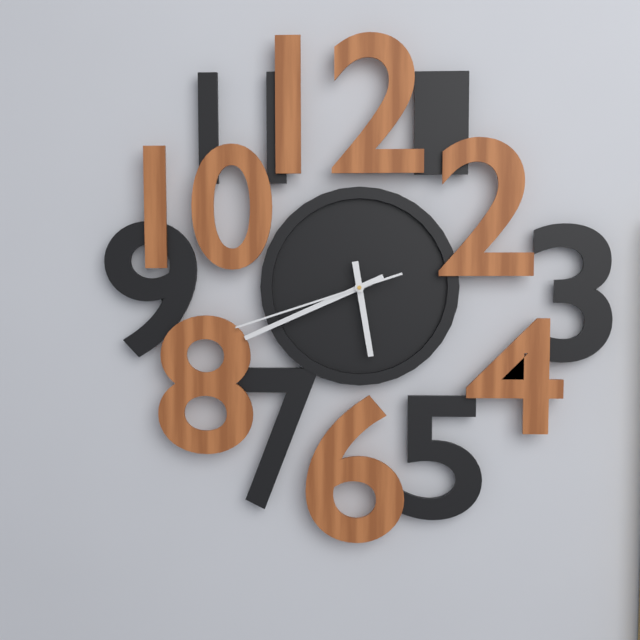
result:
5.41.42
